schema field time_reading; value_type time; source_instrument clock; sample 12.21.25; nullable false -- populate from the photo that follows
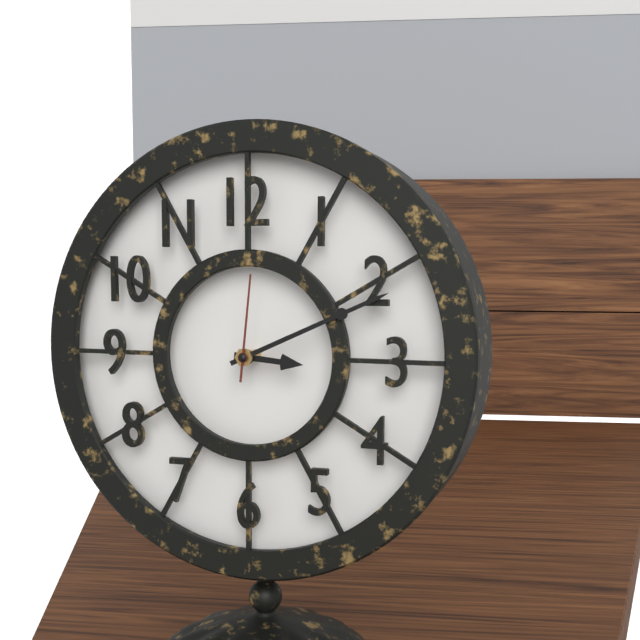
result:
3.11.01
